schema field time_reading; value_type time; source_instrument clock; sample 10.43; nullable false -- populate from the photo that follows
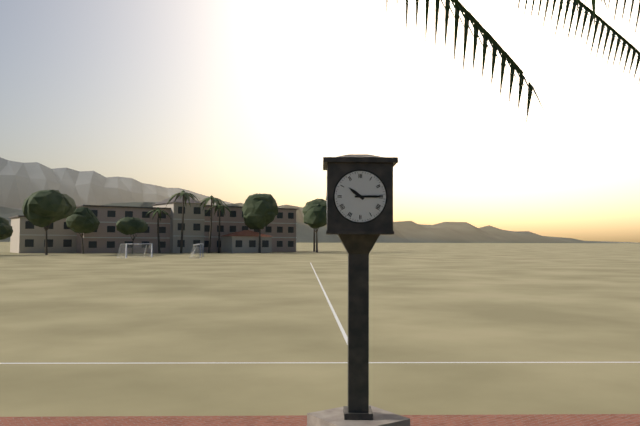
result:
10.15
